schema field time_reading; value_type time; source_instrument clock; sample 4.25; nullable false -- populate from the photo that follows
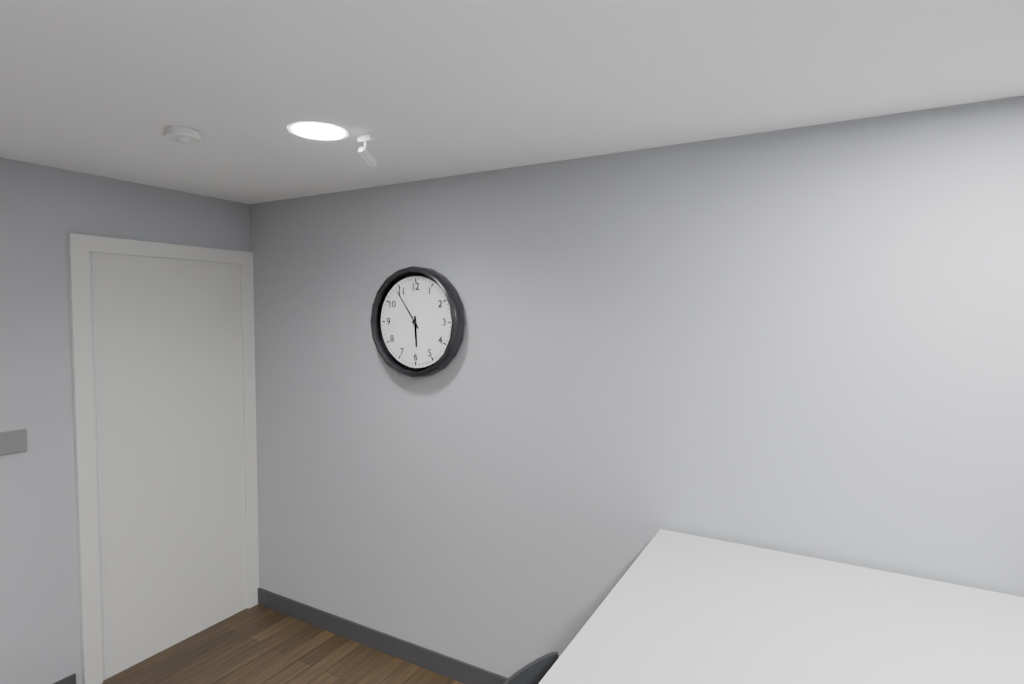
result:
5.54
